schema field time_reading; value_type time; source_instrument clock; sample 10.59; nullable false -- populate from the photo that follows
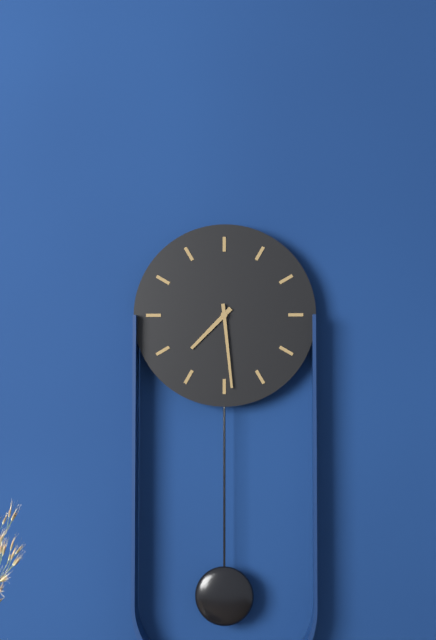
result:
7.29
